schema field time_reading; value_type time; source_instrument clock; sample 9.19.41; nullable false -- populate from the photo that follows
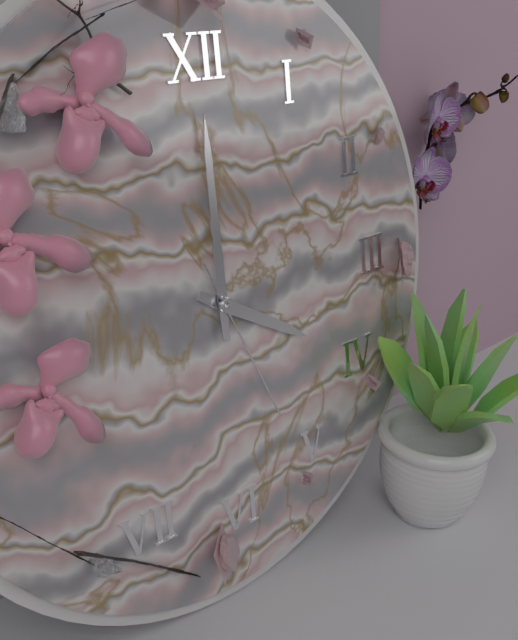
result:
4.00.26
